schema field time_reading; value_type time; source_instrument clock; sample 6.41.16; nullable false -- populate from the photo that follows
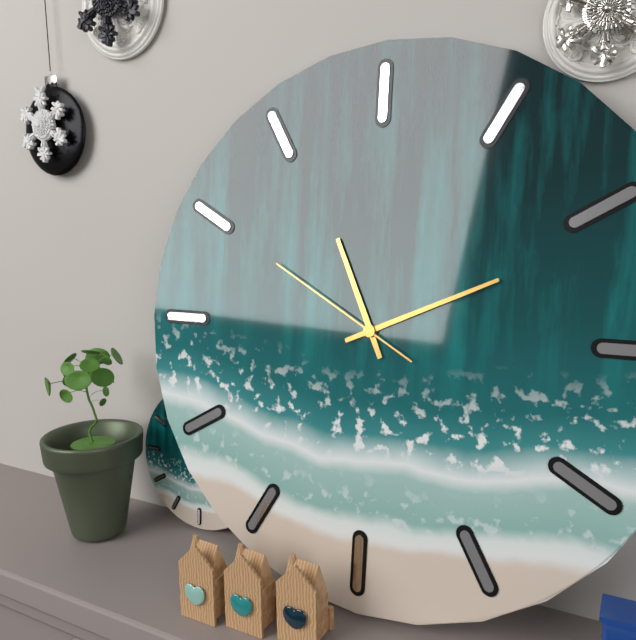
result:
11.11.50
